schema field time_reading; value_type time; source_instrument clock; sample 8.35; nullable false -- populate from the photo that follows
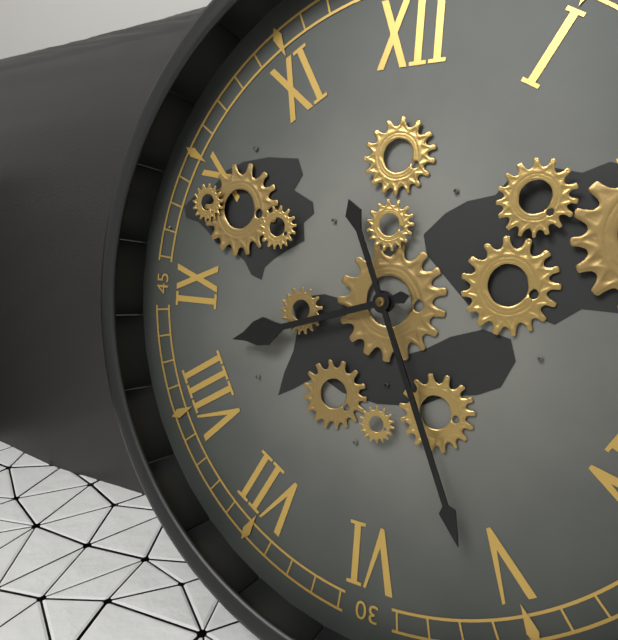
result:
8.26
